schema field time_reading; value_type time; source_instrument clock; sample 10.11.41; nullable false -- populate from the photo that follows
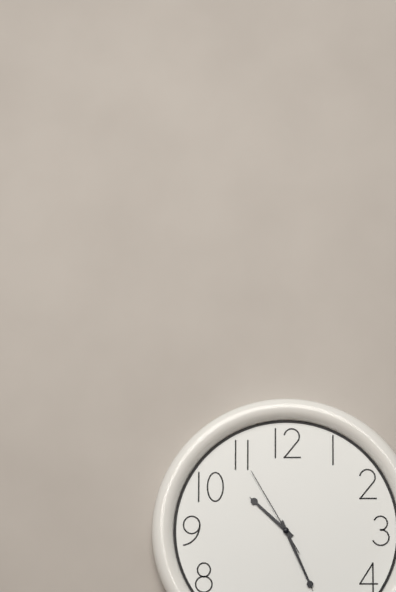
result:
10.26.55
